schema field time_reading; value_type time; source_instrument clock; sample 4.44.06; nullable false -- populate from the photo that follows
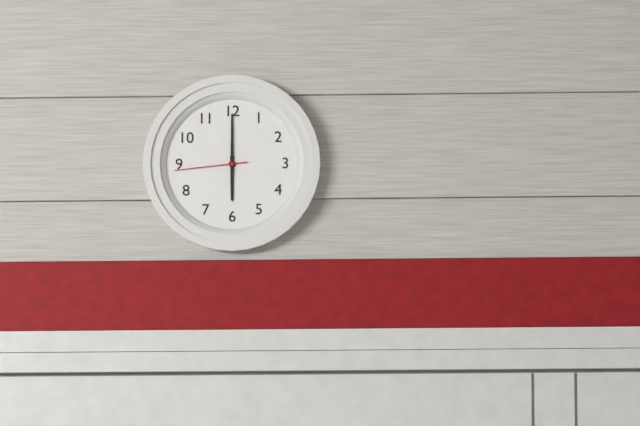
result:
6.00.44
